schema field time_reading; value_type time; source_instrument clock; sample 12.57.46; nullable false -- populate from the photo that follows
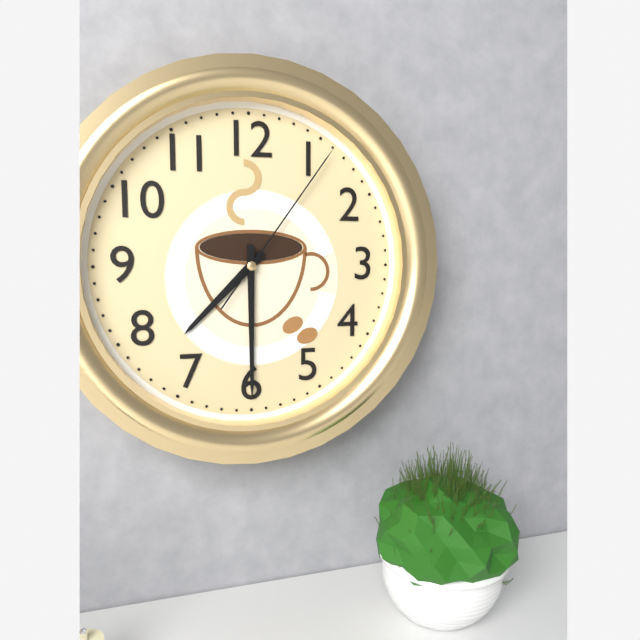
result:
7.30.06
